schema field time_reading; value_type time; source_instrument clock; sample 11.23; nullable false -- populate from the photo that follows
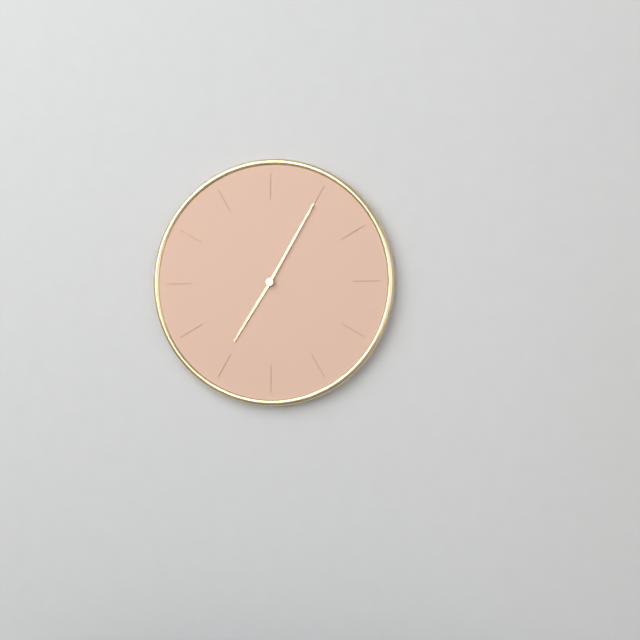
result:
7.05
